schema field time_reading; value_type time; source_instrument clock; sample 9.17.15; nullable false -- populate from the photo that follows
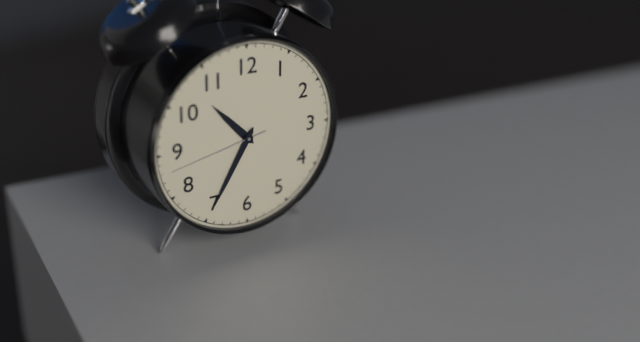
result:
10.35.43
